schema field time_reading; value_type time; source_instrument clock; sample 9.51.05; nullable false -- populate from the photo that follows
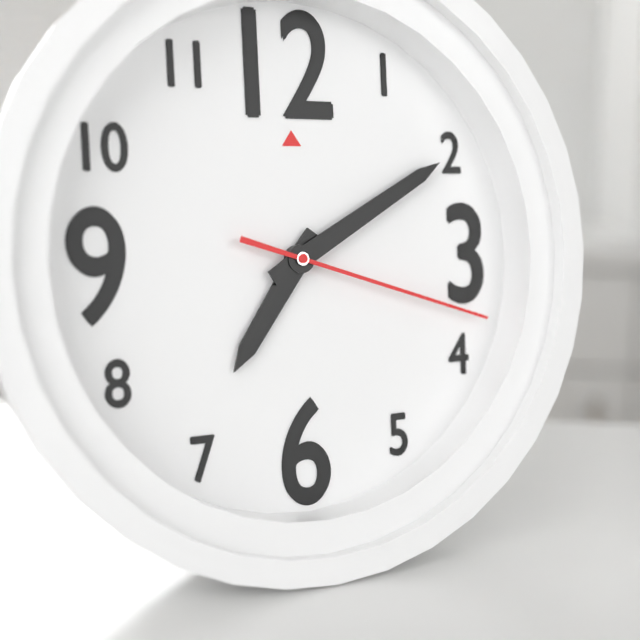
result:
7.10.18
